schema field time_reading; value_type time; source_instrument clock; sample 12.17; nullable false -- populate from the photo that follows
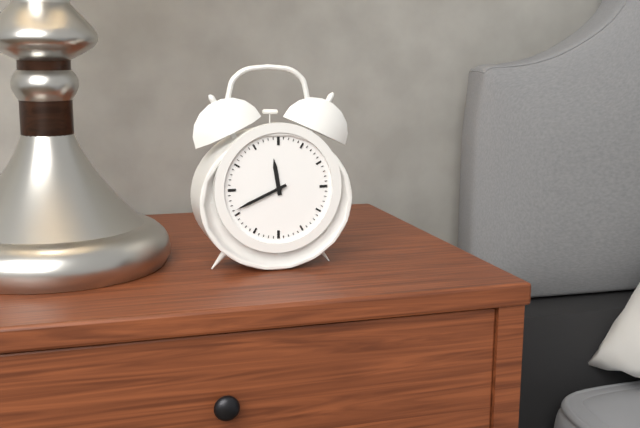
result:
11.41
